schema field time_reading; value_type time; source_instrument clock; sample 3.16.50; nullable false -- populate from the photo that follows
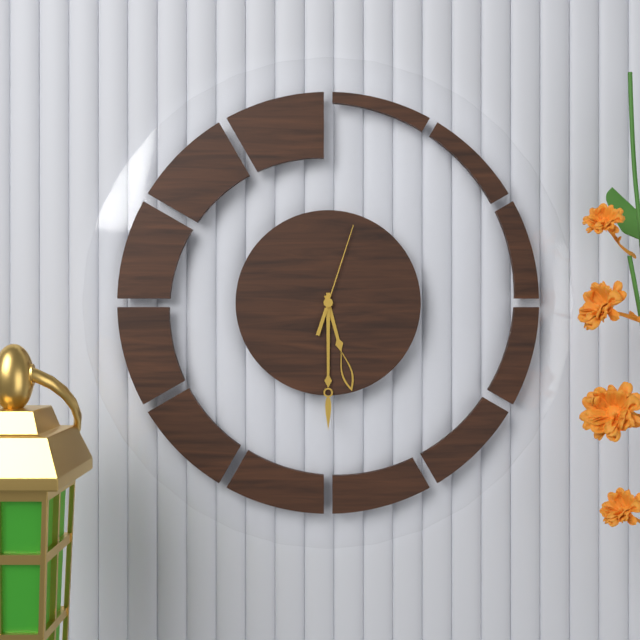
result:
5.30.03
